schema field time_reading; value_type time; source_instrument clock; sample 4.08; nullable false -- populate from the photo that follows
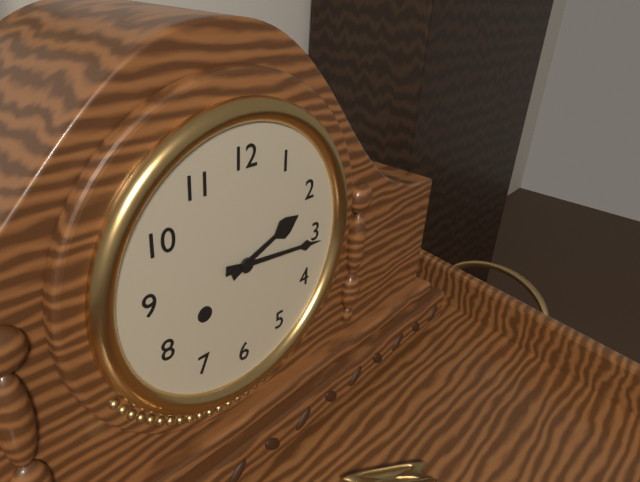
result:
2.16
